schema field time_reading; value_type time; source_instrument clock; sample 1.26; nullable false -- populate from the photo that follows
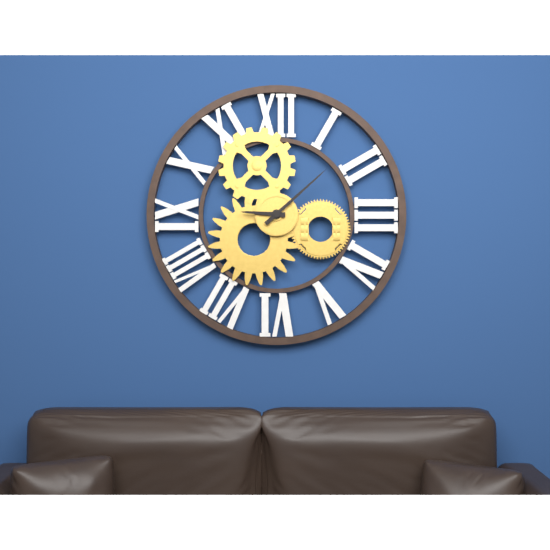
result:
9.08
